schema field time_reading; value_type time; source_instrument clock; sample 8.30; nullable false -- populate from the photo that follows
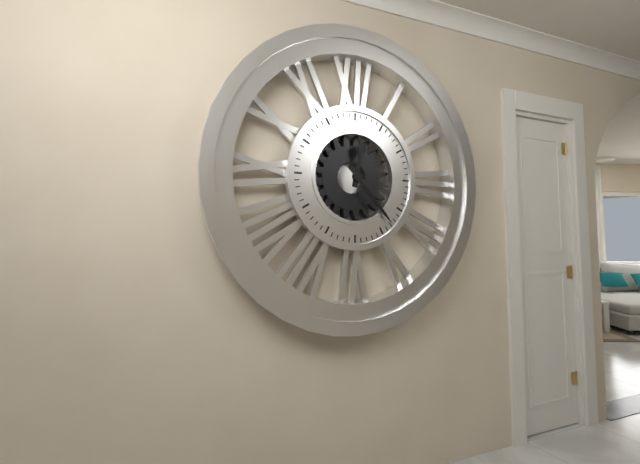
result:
12.23
